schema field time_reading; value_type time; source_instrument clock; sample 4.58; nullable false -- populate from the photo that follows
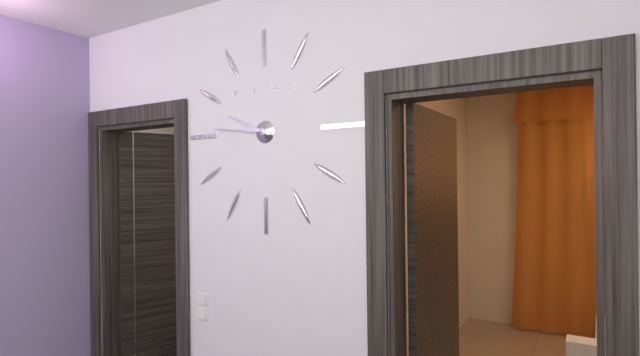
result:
9.46
